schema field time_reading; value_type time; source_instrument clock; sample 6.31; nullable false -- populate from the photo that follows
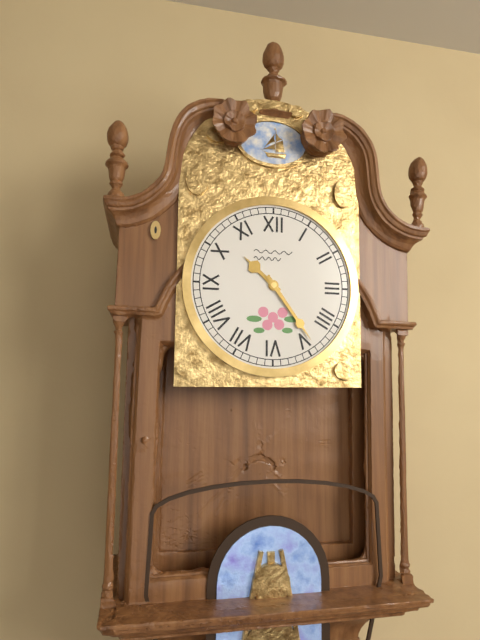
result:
10.24
